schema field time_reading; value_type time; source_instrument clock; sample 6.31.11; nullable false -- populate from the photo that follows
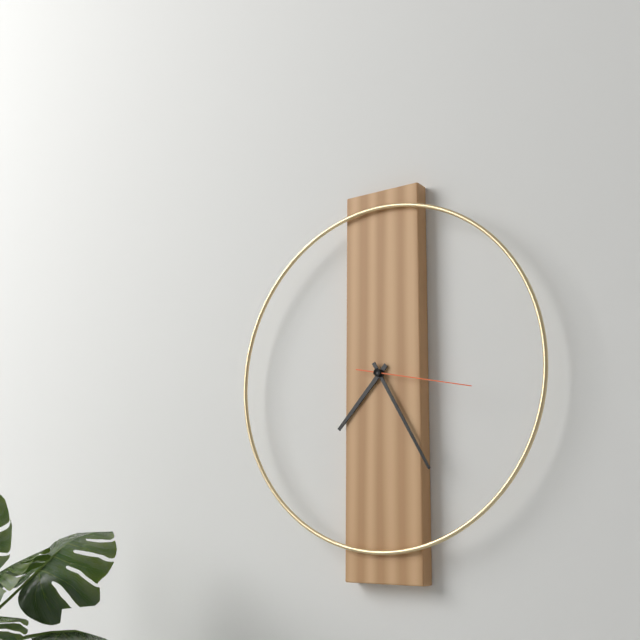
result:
7.25.17
